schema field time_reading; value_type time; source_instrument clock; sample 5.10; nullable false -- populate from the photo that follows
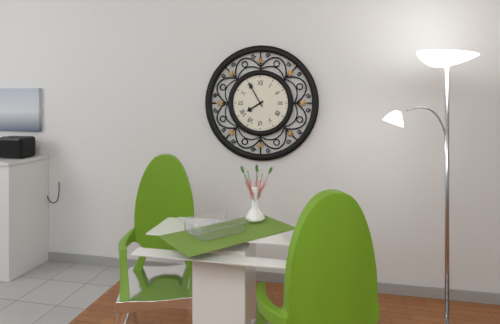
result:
7.55
